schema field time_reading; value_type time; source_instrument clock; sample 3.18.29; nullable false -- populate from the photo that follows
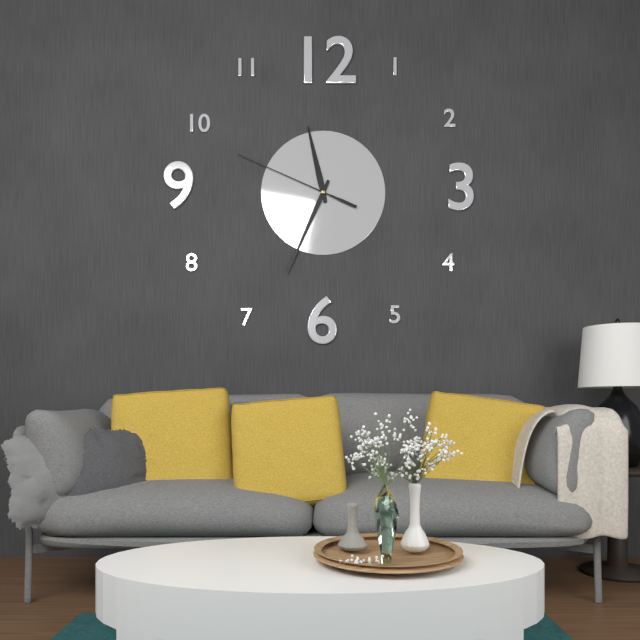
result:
11.34.49
